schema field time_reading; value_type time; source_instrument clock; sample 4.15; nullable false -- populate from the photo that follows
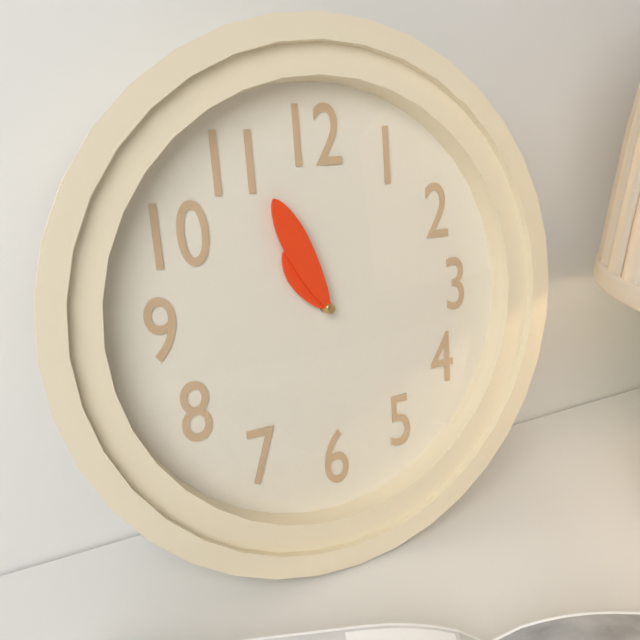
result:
10.56
